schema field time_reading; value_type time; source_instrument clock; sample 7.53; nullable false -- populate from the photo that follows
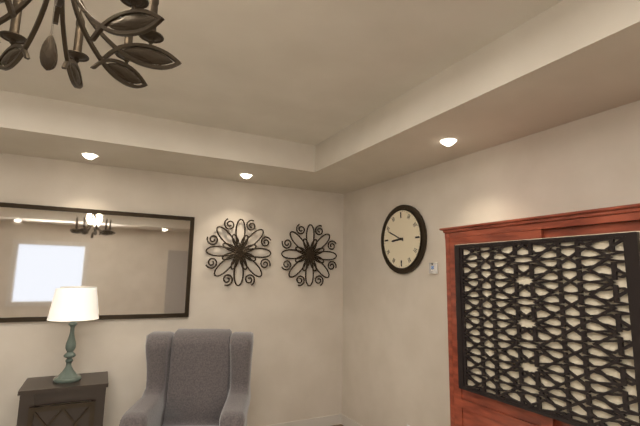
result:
8.49
